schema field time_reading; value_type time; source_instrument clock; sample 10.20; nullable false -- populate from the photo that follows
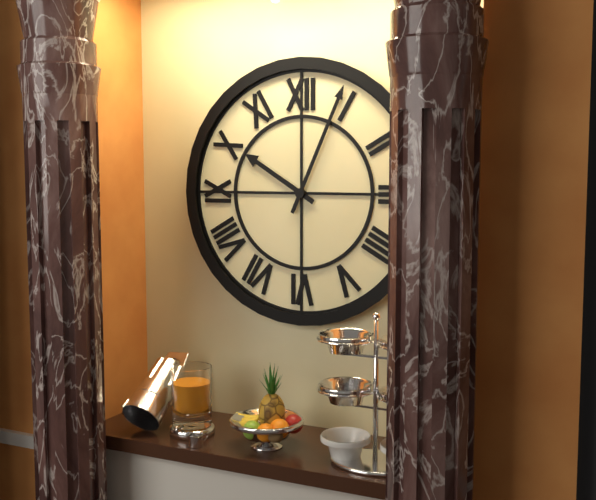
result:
10.04
